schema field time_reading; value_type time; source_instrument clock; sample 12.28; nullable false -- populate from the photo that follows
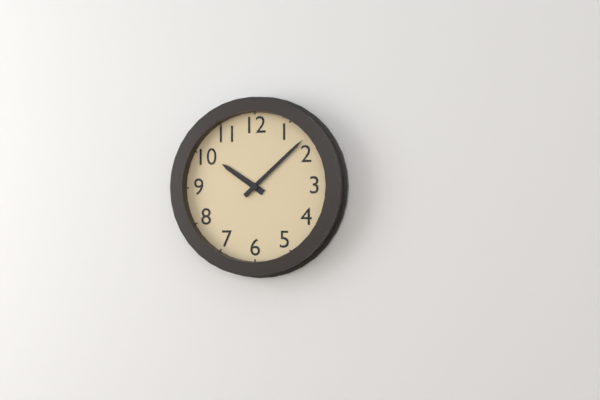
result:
10.08
